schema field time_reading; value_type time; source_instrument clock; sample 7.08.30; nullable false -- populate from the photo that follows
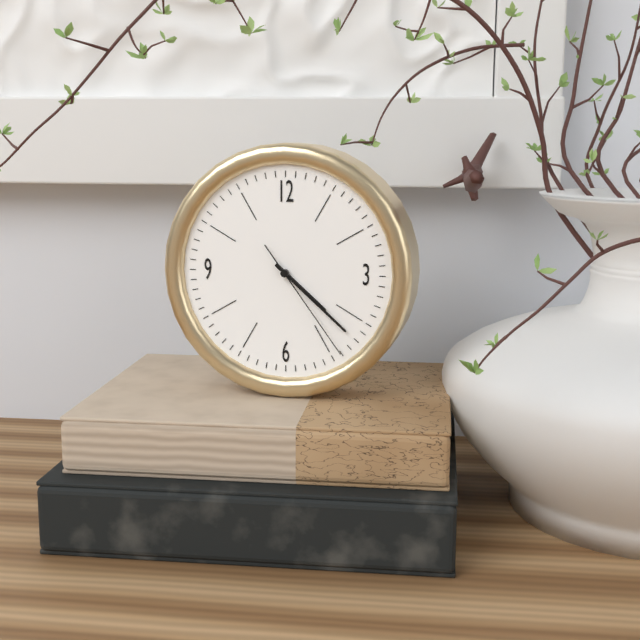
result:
4.22.24
